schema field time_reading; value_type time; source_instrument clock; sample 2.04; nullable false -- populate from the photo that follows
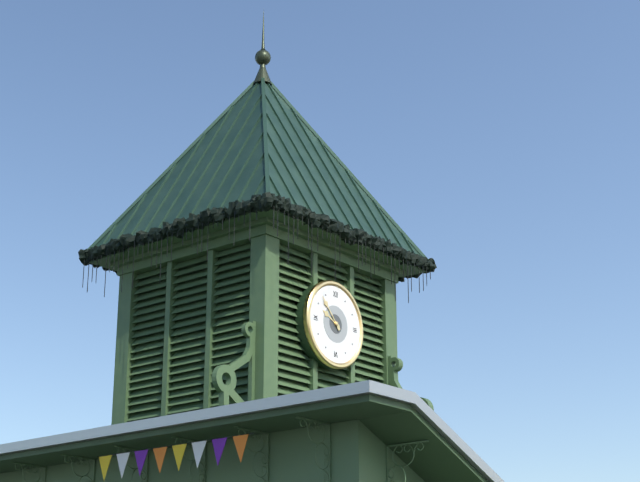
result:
9.53
